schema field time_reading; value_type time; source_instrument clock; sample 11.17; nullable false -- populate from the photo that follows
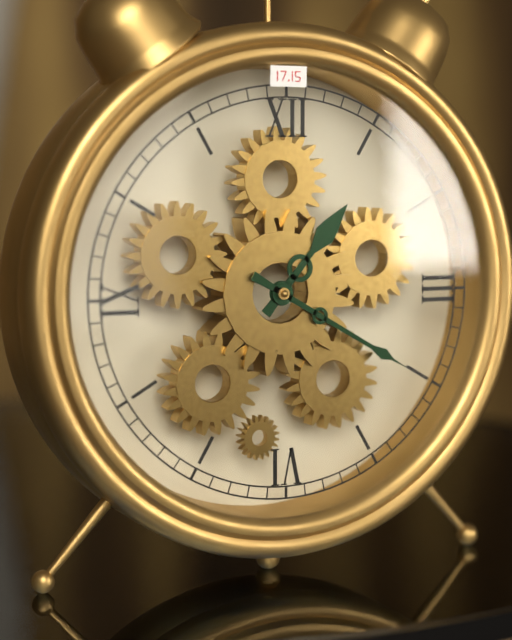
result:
1.20
